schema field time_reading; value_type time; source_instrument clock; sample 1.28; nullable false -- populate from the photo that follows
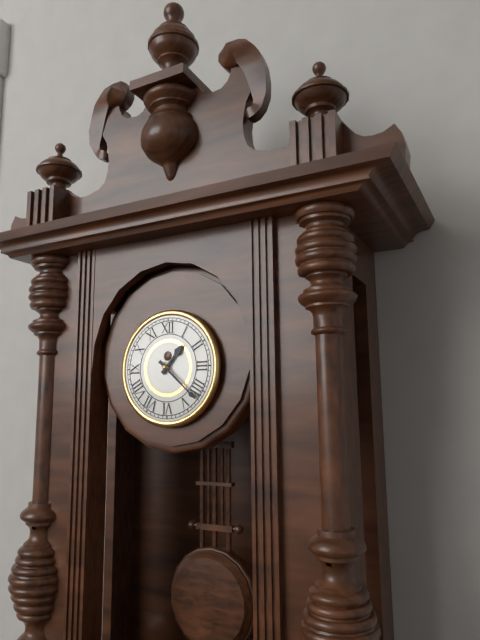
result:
1.22
